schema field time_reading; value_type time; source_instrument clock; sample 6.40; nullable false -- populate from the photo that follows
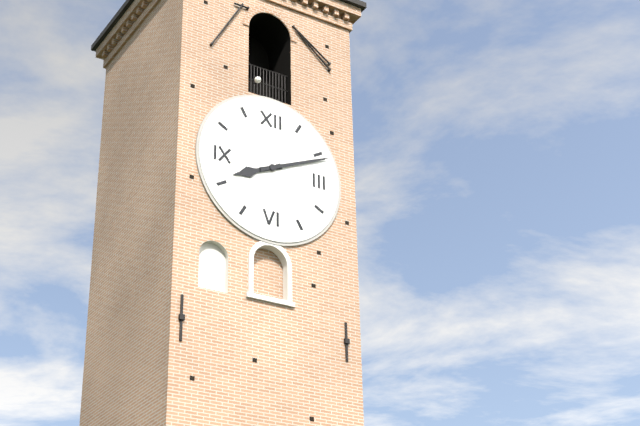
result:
8.11
